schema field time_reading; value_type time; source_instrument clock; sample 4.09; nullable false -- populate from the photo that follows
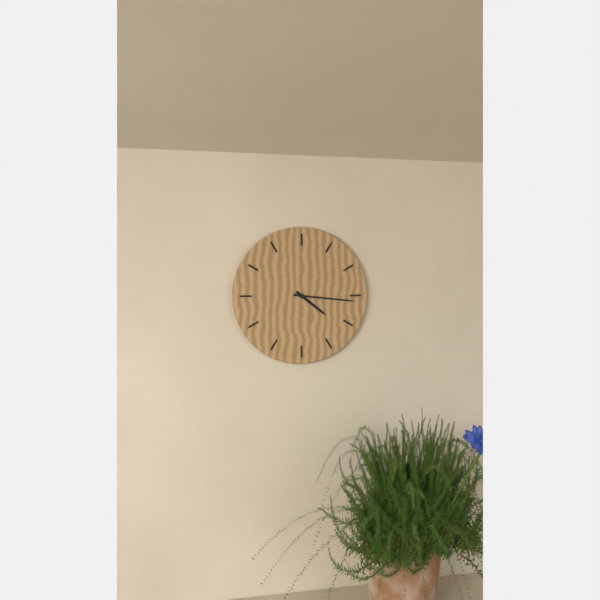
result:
4.16
